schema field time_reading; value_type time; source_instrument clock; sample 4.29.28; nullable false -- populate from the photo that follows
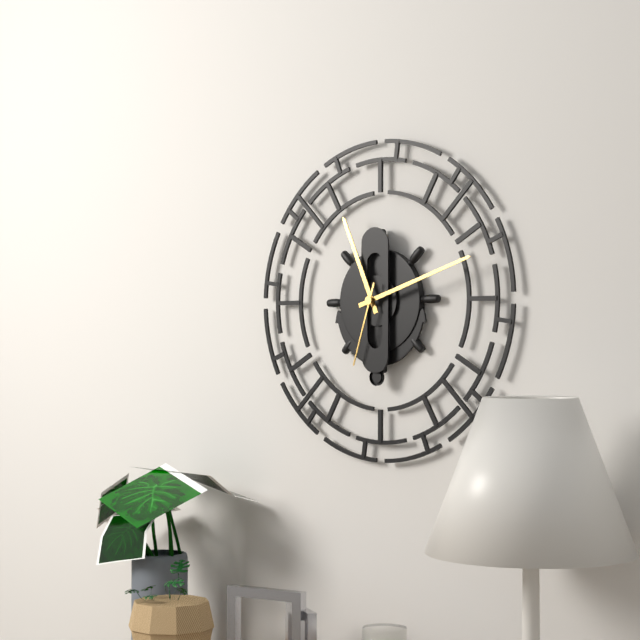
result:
11.12.33
